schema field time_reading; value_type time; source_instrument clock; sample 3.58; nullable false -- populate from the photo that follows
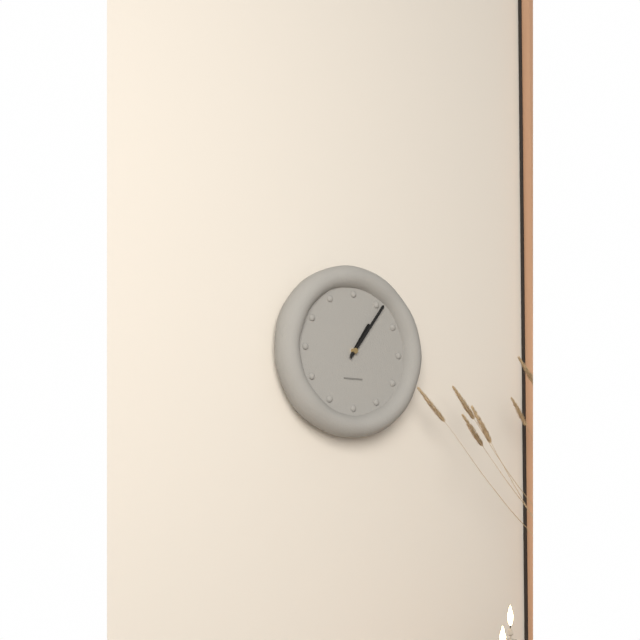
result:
1.06
